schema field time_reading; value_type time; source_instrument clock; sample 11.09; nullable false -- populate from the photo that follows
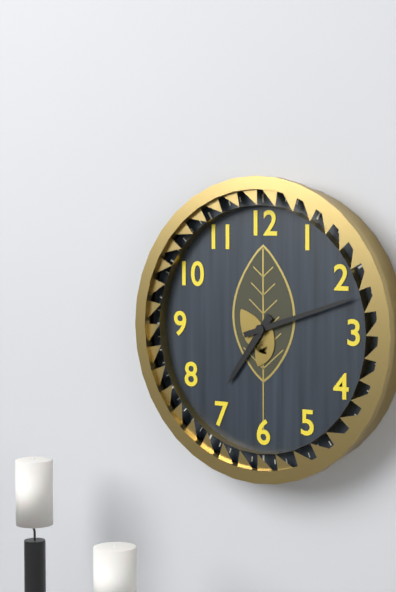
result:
7.12
